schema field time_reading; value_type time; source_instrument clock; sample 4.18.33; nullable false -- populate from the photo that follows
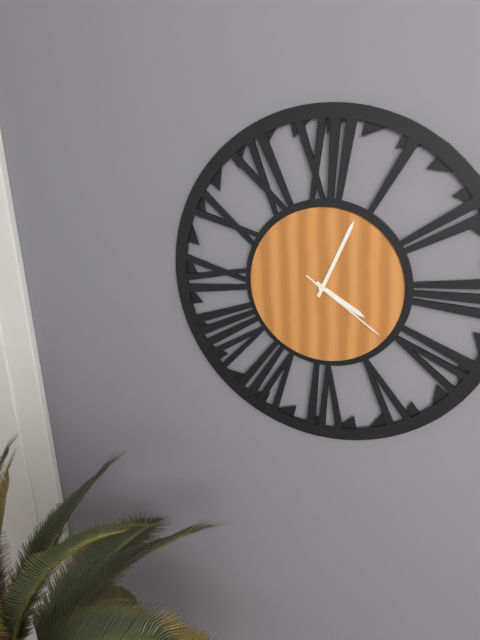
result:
4.04.21
